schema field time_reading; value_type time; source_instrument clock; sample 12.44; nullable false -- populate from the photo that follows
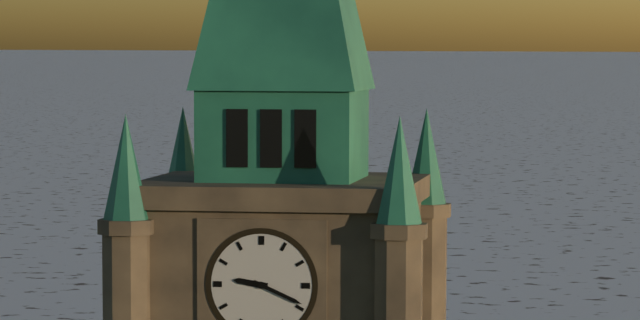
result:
9.19
